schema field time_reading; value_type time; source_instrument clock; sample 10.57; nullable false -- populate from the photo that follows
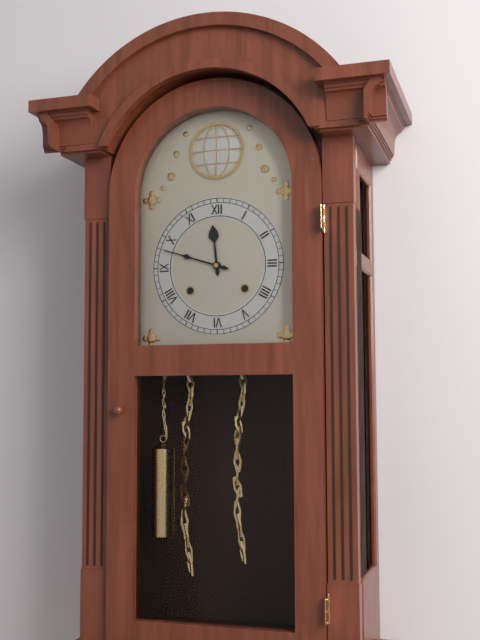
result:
11.48
